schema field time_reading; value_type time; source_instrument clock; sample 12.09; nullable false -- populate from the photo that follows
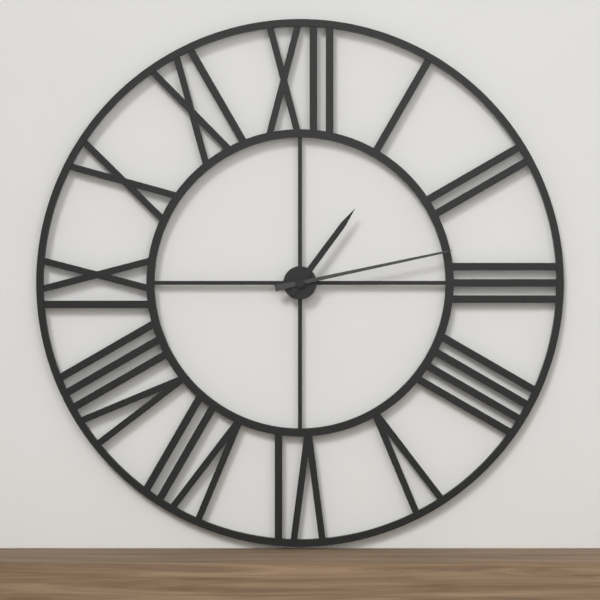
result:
1.13
